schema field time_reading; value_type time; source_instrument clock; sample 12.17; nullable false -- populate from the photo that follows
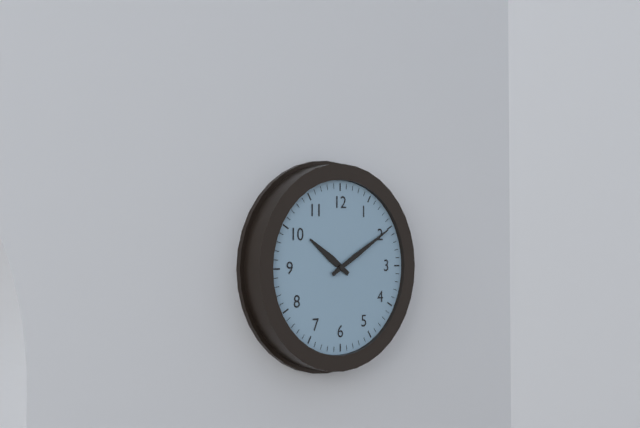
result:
10.10
